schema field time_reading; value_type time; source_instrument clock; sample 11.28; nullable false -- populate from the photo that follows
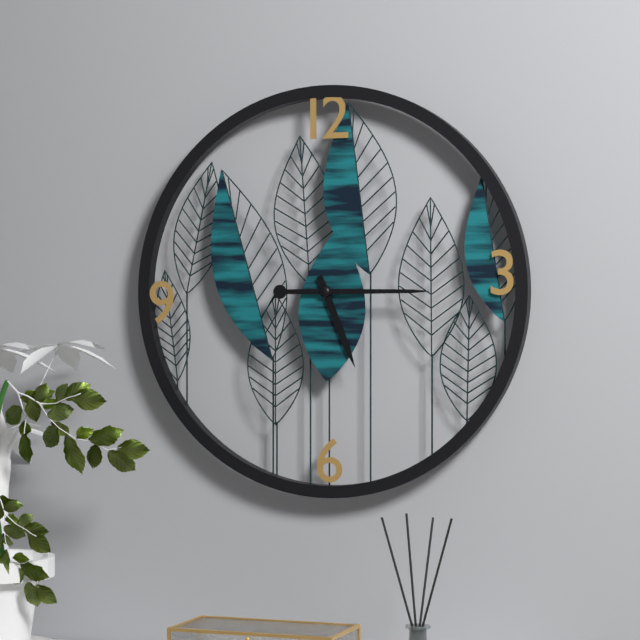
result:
5.15
